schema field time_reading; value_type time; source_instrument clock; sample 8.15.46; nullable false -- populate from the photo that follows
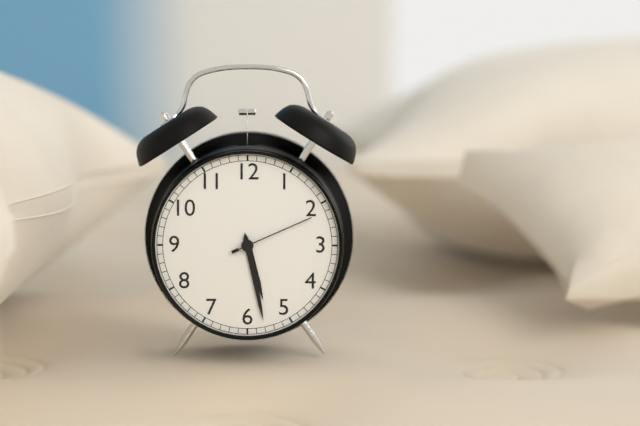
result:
5.28.11
